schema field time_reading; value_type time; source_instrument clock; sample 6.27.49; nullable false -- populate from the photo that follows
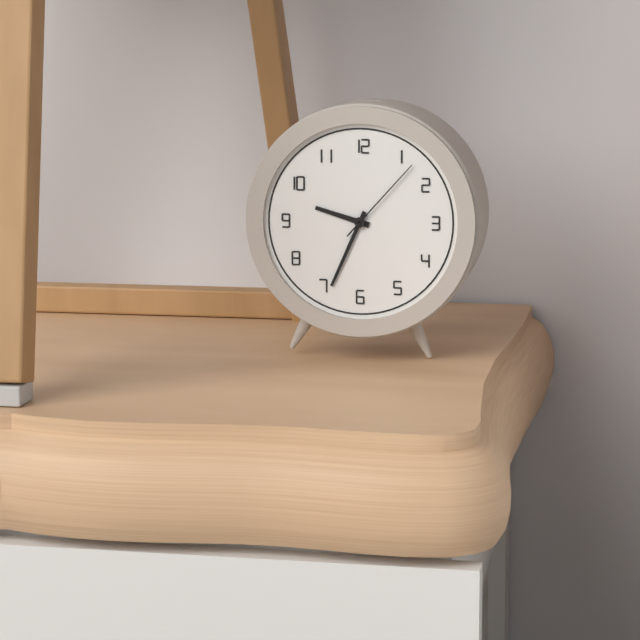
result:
9.34.07
